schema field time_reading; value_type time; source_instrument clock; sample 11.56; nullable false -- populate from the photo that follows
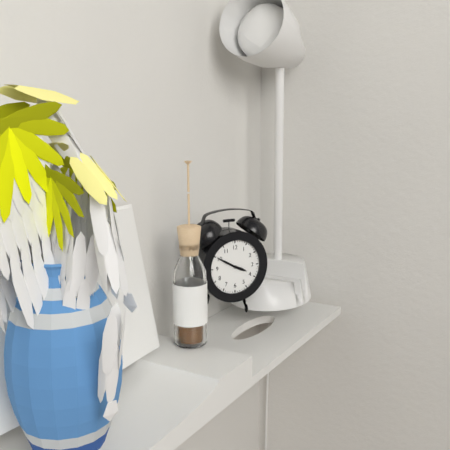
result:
3.50
